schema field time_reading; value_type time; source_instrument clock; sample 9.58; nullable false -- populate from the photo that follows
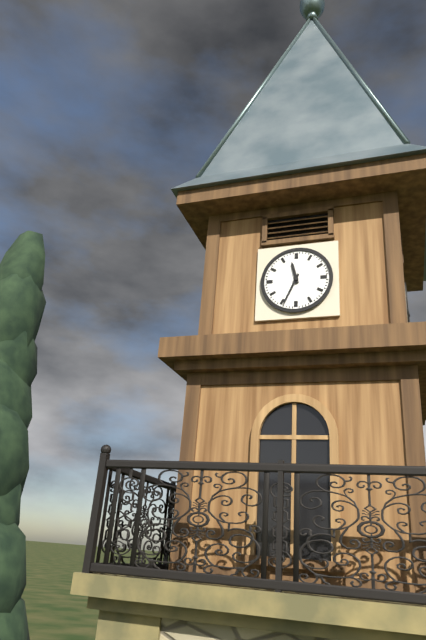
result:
11.34
